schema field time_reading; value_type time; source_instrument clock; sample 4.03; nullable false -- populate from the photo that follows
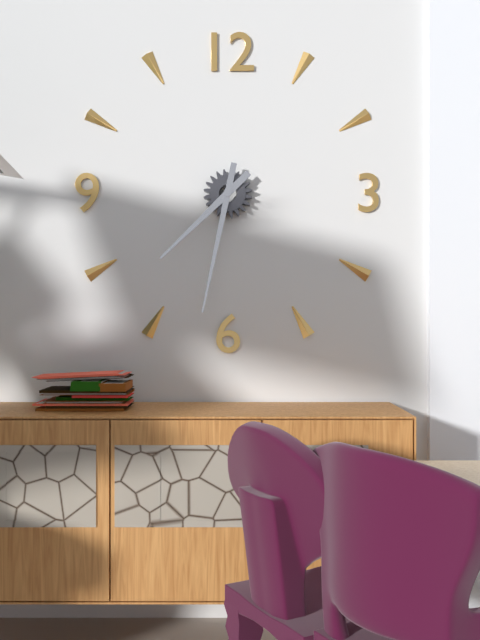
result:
7.32
